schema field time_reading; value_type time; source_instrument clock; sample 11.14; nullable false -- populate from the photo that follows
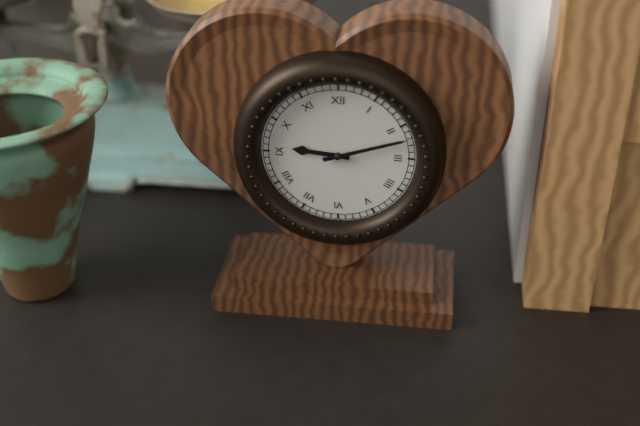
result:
9.12
